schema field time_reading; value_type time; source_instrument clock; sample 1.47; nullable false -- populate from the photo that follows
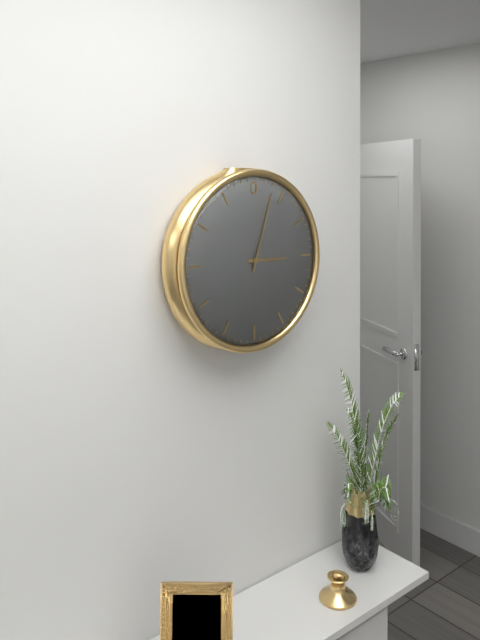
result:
3.03
